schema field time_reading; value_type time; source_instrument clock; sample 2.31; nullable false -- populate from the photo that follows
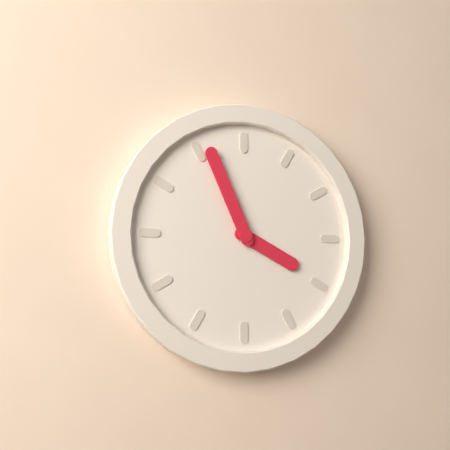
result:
3.56
